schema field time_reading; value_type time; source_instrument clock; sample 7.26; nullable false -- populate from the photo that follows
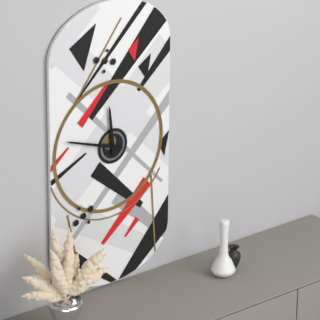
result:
11.48
